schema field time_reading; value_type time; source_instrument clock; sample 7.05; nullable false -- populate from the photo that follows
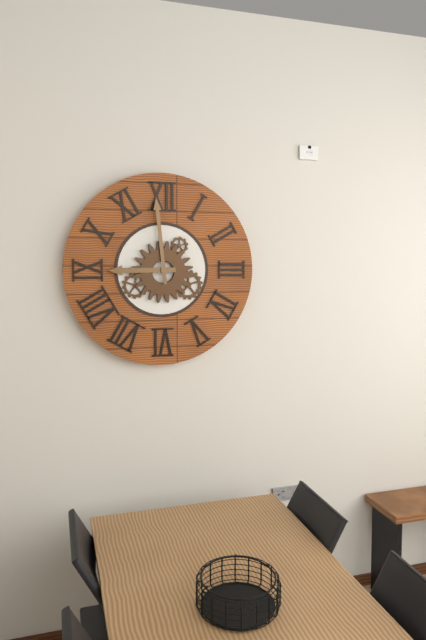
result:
8.59
